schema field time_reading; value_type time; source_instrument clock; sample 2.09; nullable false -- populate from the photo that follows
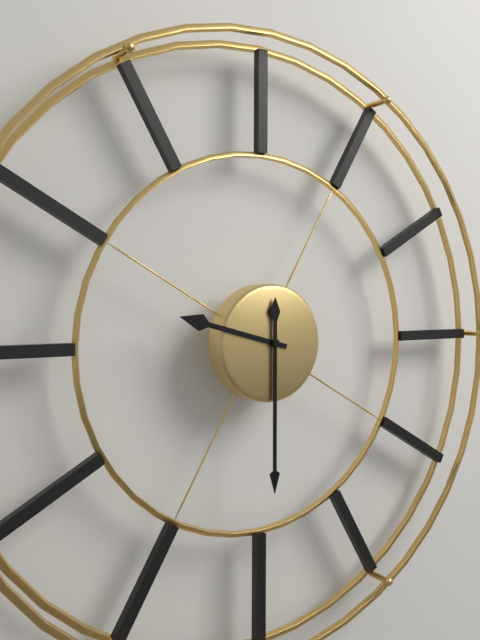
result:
9.30
